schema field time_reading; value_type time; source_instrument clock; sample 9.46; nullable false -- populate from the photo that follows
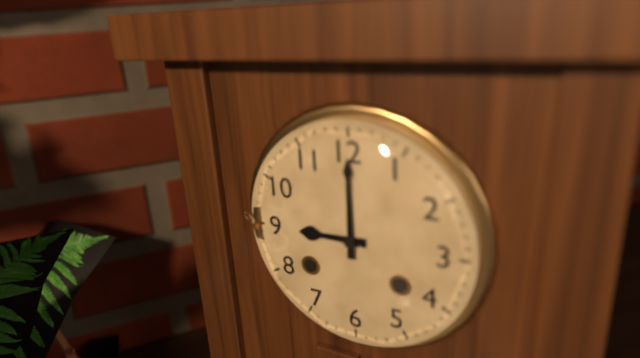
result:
9.00
